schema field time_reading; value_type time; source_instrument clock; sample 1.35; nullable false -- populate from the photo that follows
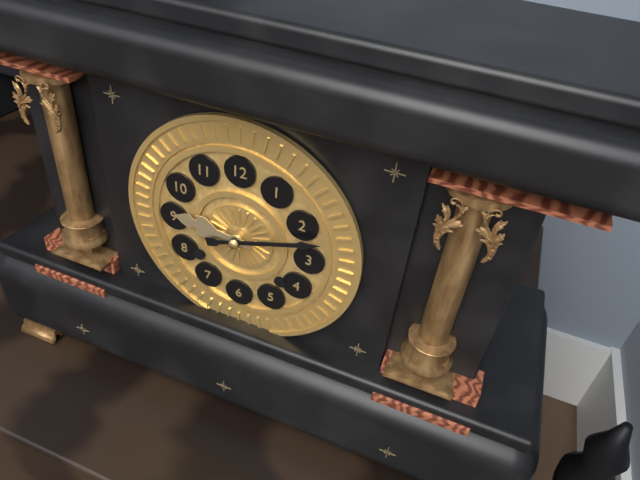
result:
9.12
